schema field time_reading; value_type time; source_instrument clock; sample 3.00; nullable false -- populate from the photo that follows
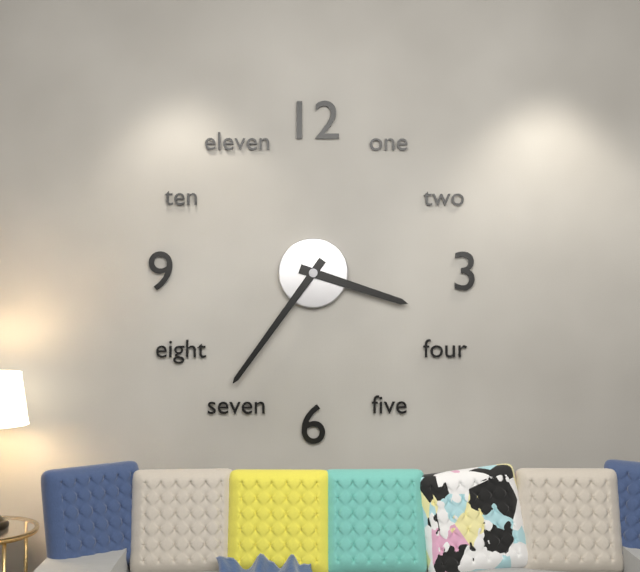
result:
3.36
